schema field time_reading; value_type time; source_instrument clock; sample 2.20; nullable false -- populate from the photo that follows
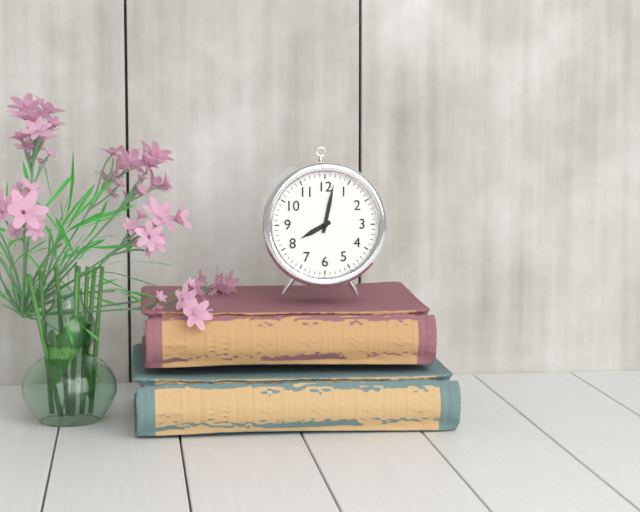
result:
8.02
